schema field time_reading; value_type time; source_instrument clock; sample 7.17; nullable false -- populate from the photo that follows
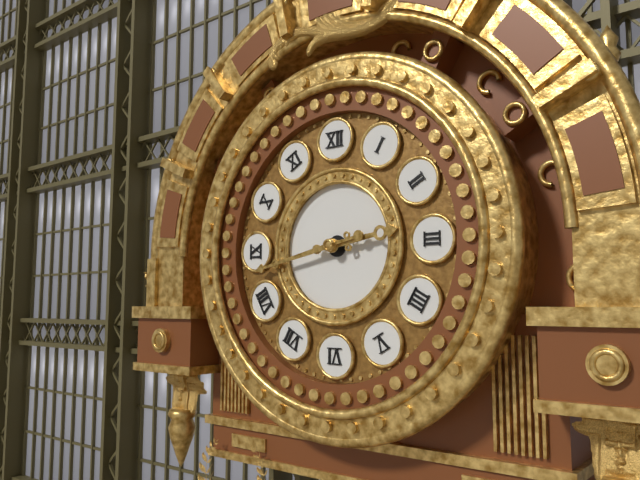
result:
2.43
